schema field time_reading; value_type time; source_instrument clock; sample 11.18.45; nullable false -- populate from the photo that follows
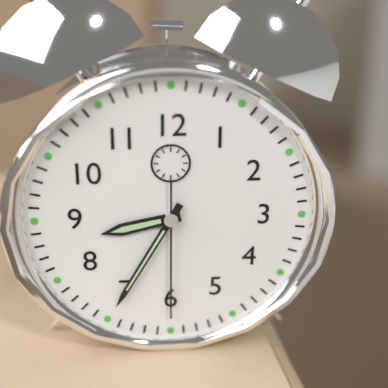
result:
8.35.30
